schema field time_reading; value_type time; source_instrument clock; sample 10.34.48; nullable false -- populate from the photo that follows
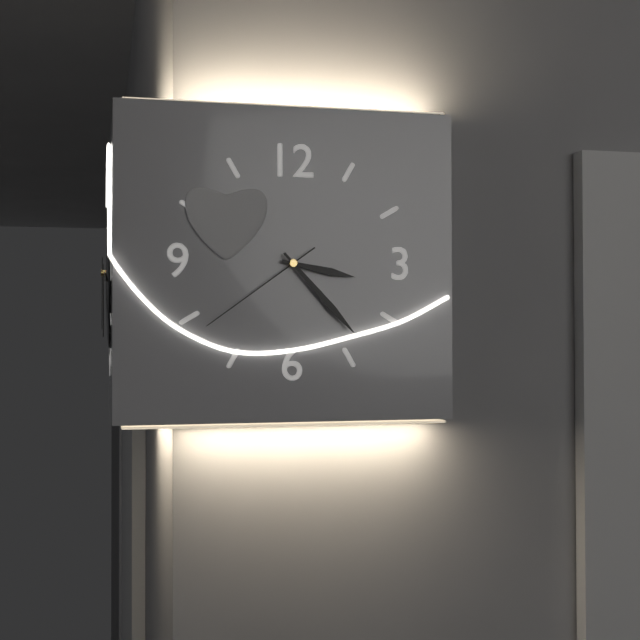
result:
3.23.39
